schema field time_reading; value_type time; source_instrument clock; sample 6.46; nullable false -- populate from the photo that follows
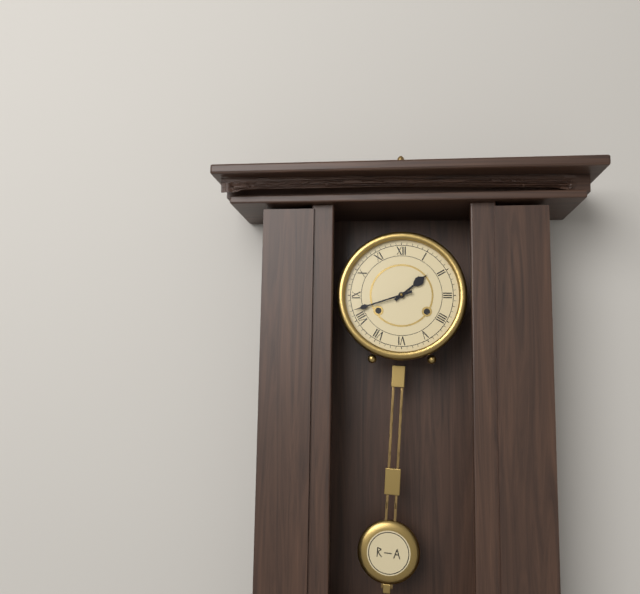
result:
1.42
